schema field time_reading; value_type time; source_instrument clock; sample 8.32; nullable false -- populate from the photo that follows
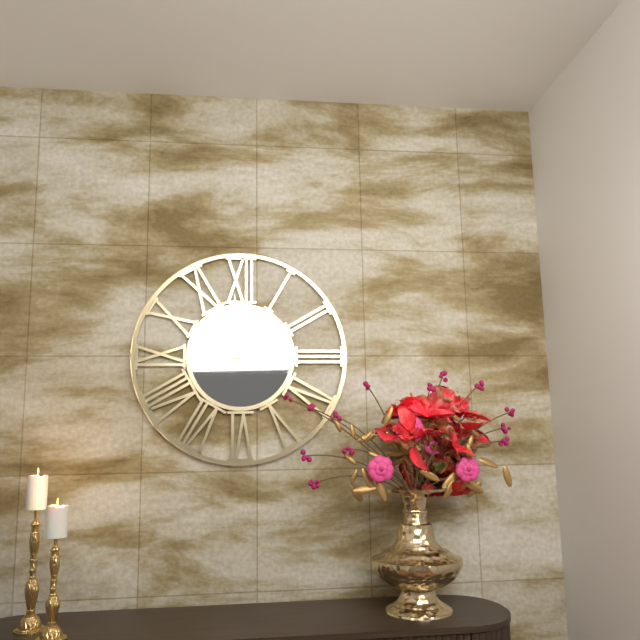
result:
2.59
